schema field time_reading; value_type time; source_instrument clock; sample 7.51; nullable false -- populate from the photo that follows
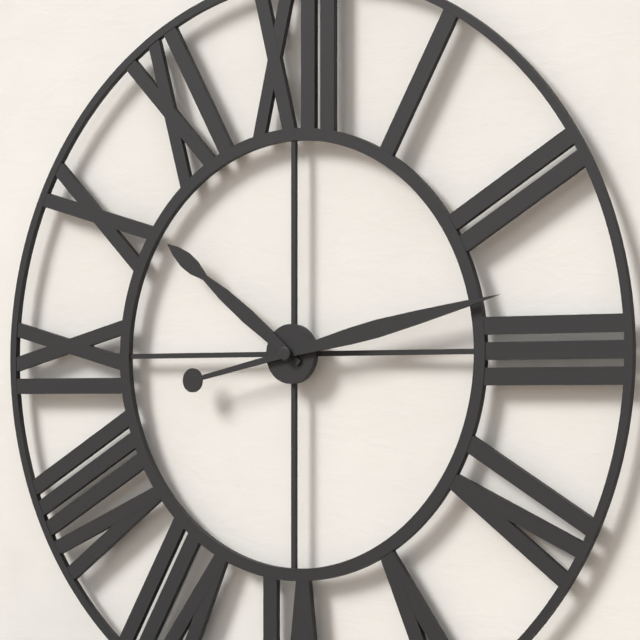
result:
10.13
